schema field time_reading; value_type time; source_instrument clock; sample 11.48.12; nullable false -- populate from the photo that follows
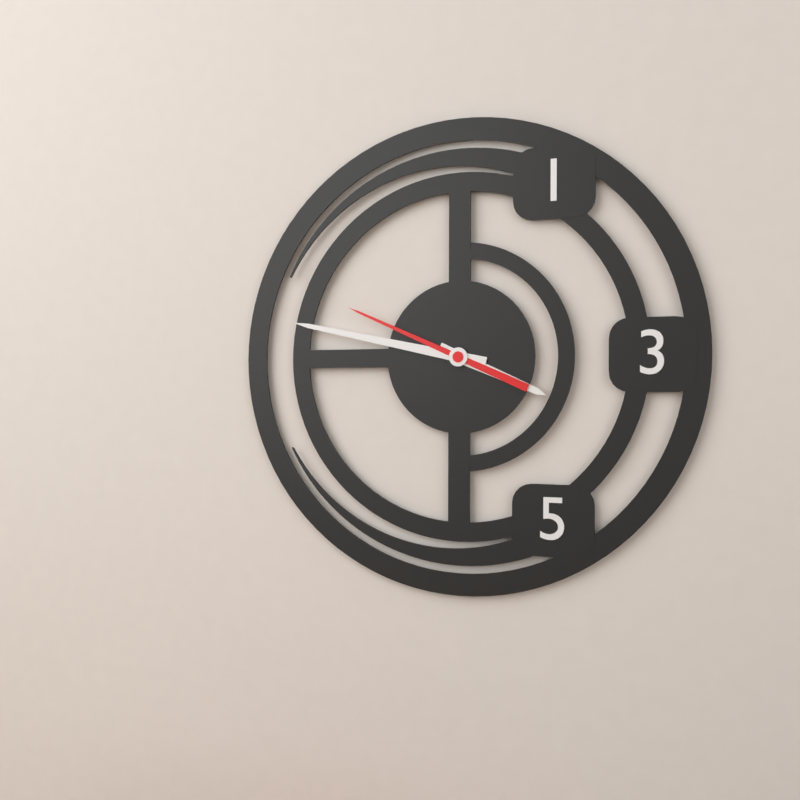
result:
3.47.49
